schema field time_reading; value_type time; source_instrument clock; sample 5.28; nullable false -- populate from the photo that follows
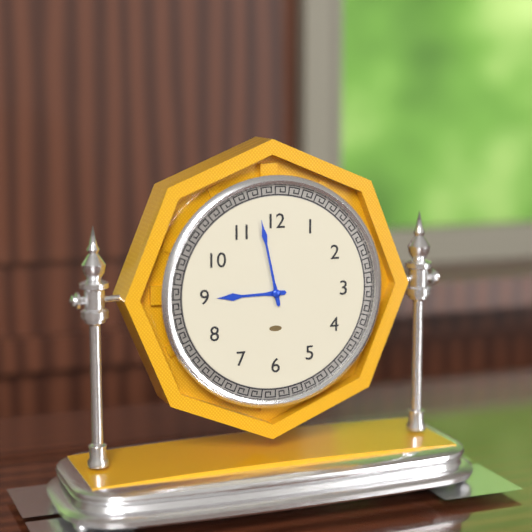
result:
8.58
